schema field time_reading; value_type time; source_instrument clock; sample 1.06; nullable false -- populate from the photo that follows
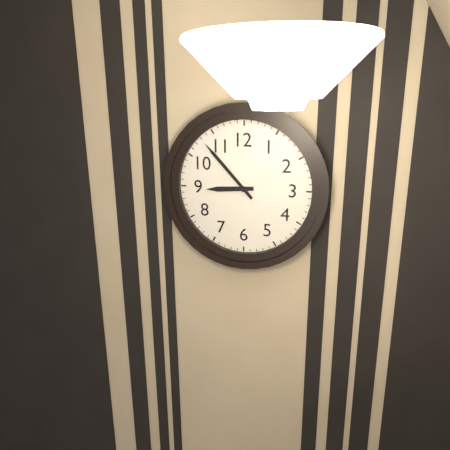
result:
8.53
